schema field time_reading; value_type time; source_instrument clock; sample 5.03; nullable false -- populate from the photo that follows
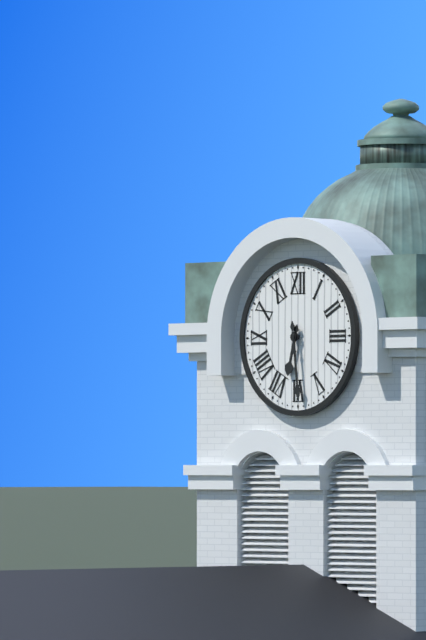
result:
6.29
